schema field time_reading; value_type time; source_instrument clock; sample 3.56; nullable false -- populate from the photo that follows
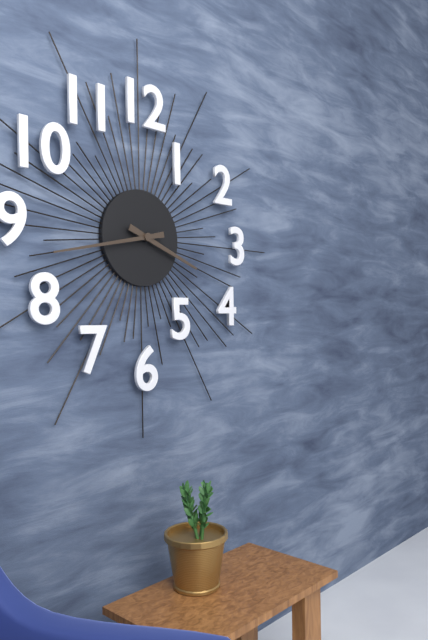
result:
3.43
